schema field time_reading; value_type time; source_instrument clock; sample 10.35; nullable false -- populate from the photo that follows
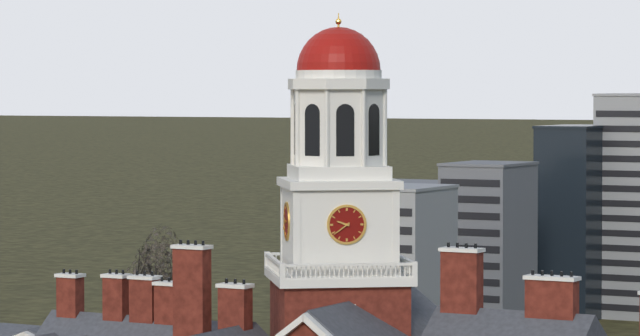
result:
9.39
